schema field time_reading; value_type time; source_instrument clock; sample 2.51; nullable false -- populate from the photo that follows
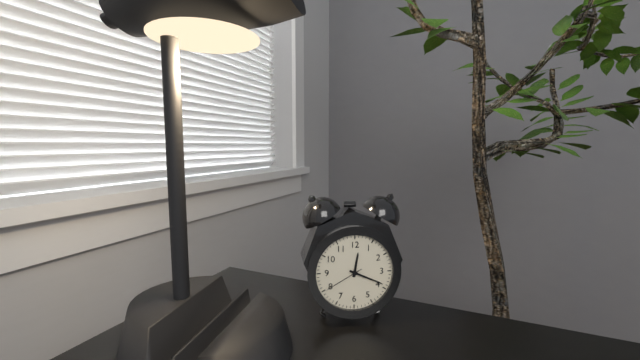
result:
12.19
